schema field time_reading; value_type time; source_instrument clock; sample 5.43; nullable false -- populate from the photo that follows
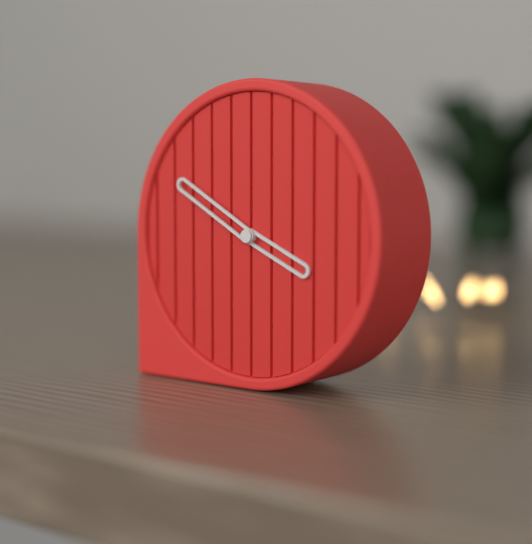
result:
3.50
